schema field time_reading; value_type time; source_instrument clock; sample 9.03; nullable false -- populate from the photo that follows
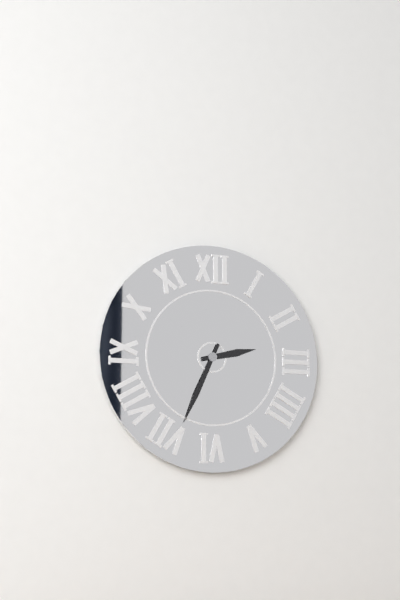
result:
2.34
